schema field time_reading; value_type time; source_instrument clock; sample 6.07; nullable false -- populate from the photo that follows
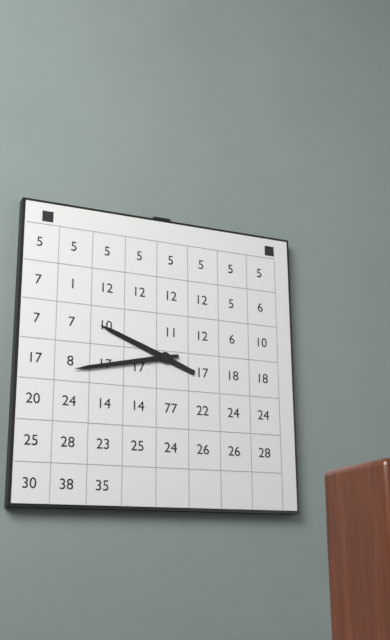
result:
9.43
